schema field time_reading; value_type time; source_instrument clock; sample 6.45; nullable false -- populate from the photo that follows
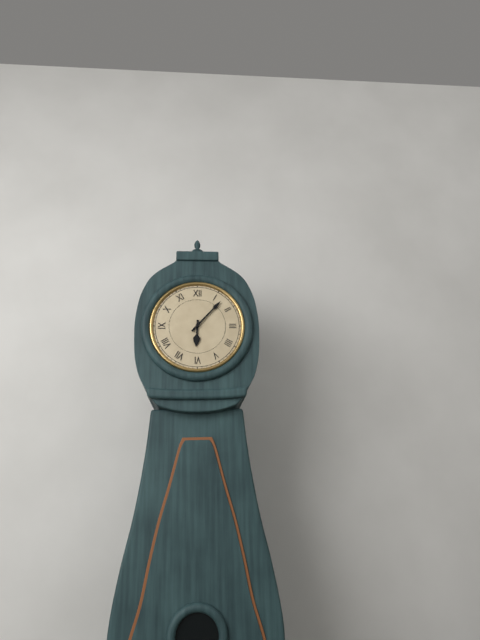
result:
6.07
